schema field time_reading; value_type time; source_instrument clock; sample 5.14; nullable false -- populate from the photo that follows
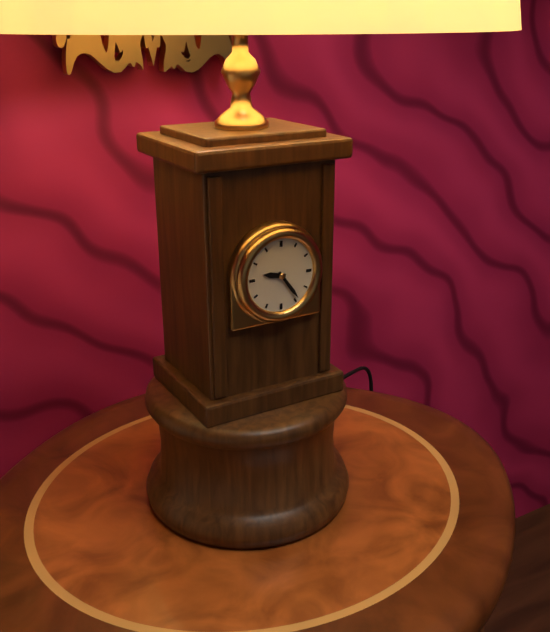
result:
9.24
